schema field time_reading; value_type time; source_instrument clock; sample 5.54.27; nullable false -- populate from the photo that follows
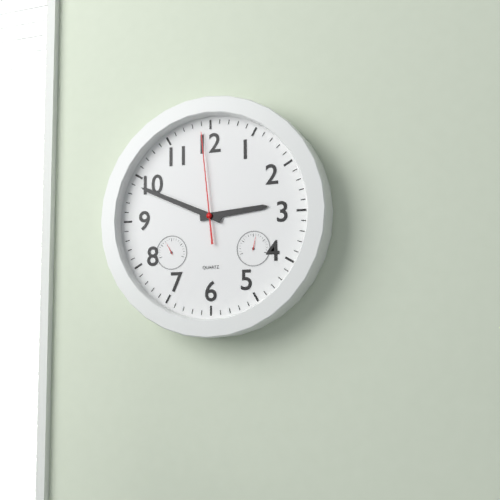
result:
2.49.59
